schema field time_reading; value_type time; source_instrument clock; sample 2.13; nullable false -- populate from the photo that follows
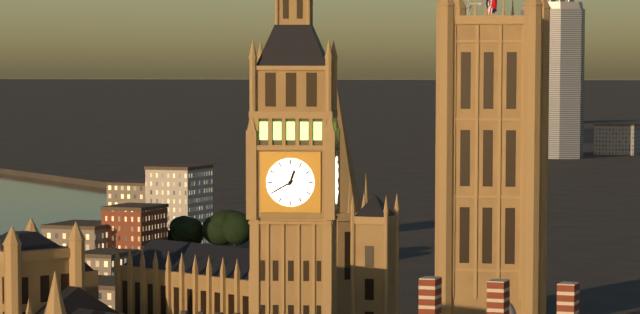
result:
12.40
